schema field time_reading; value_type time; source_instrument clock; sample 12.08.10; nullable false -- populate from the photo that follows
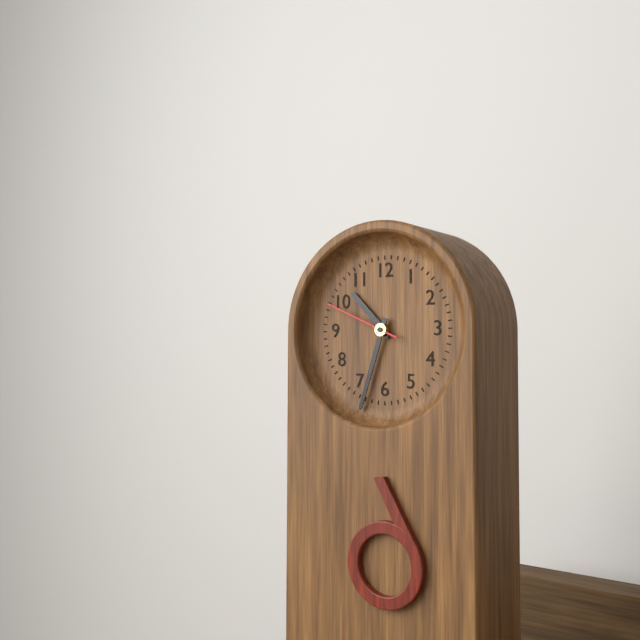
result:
10.33.49
